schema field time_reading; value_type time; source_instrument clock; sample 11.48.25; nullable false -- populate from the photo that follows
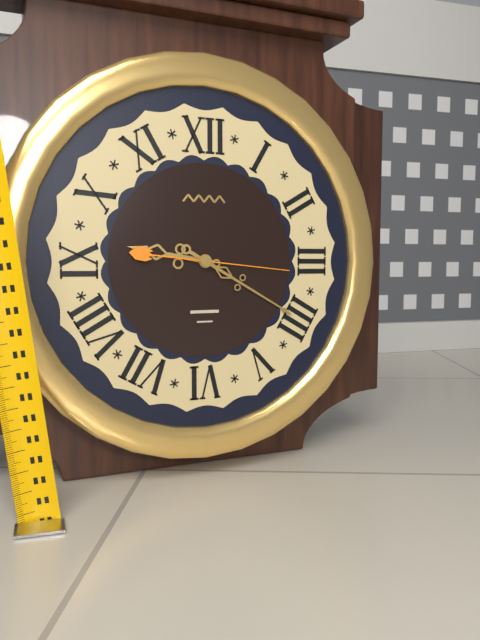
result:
9.20.16
